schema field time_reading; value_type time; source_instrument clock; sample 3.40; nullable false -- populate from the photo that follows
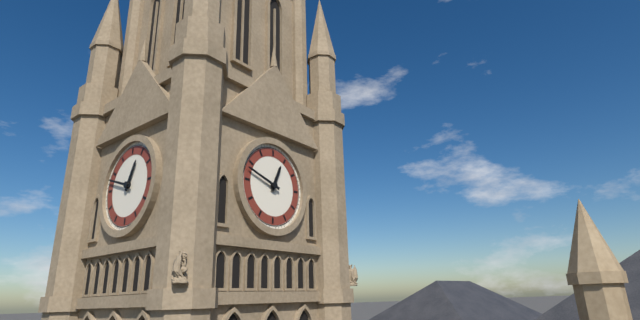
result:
12.48
